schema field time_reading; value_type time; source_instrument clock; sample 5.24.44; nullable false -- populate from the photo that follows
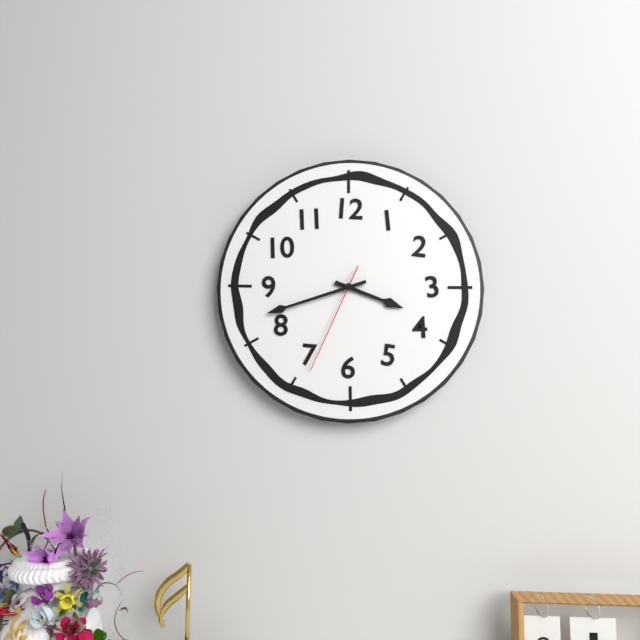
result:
3.42.34
